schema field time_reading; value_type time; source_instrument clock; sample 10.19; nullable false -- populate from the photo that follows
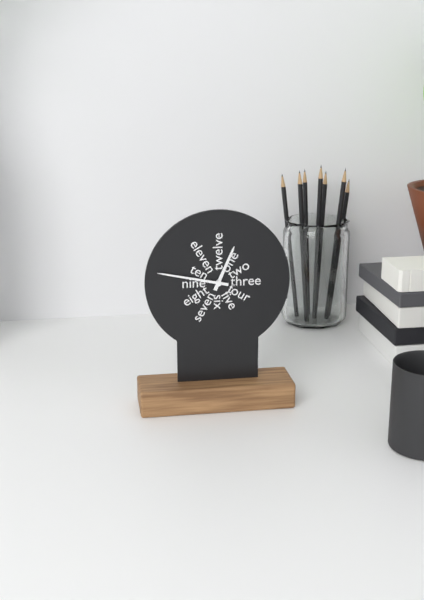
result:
12.47
